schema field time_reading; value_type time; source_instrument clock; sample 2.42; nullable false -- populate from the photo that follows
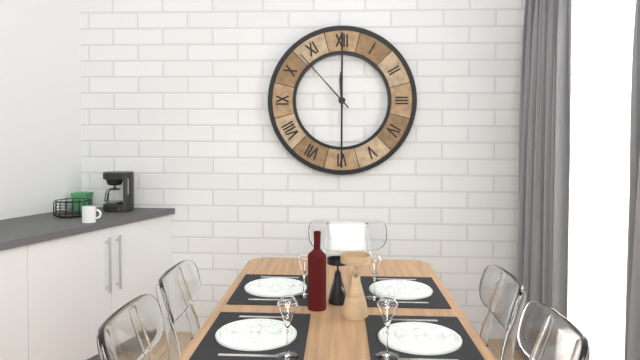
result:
11.53
